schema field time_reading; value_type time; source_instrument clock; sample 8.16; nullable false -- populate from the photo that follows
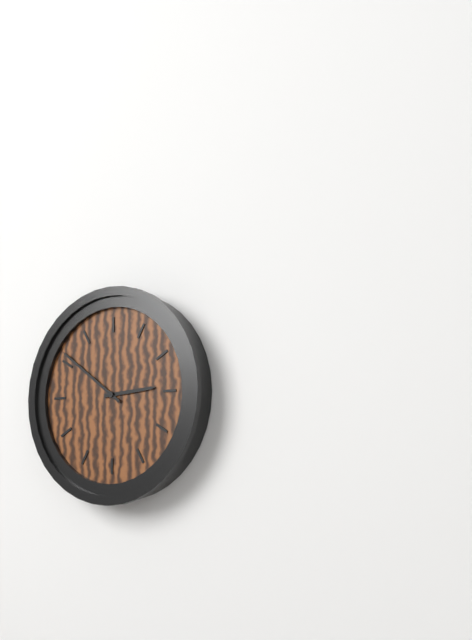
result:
2.51
